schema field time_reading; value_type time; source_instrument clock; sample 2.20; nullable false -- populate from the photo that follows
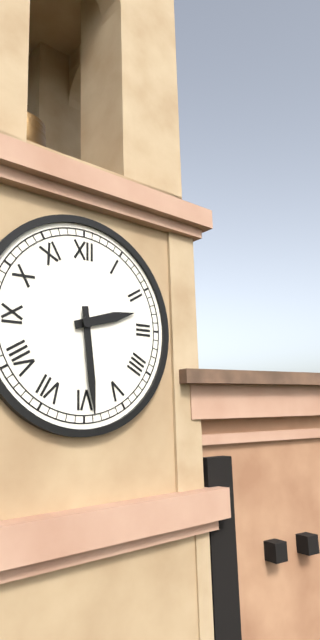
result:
2.29
